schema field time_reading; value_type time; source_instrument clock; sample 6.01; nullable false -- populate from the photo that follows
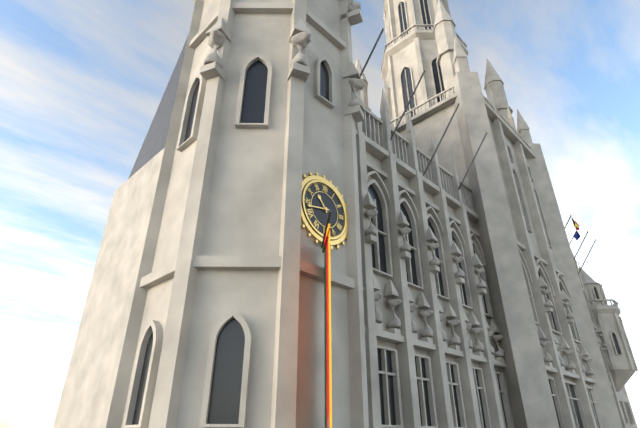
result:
10.43
